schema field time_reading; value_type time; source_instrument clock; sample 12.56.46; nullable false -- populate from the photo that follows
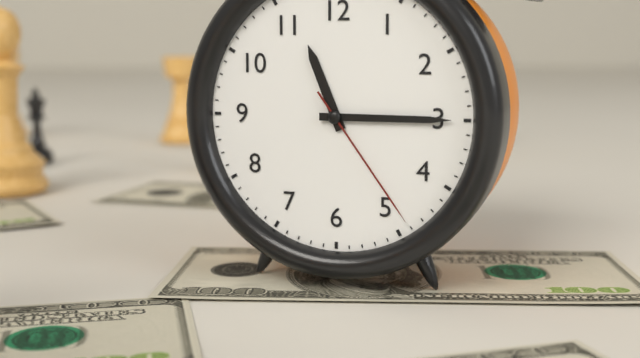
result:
11.15.24
